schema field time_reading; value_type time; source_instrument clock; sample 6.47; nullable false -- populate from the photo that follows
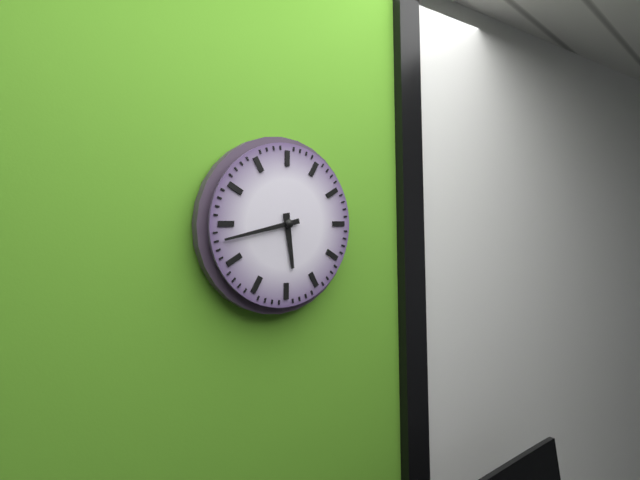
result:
5.43
